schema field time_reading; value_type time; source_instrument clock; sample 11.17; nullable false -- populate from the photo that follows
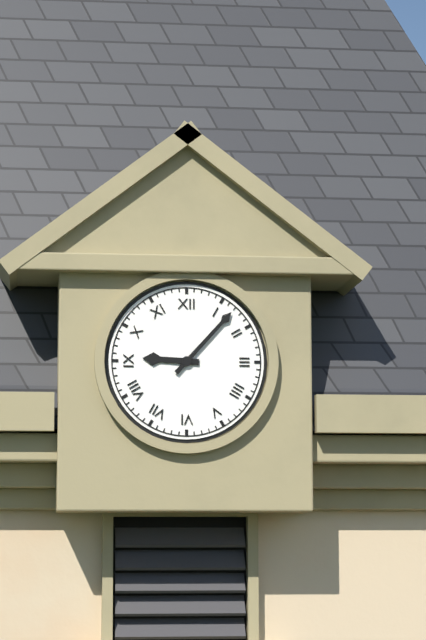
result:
9.07
